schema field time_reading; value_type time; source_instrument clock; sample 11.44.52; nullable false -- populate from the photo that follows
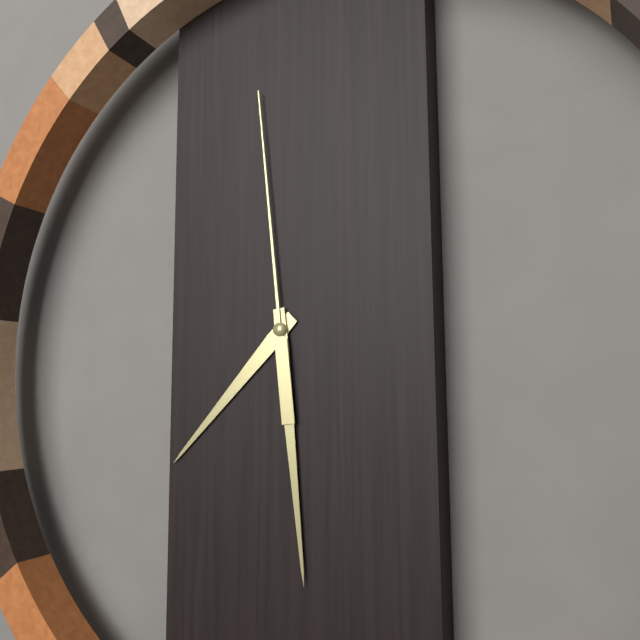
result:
7.29.59
